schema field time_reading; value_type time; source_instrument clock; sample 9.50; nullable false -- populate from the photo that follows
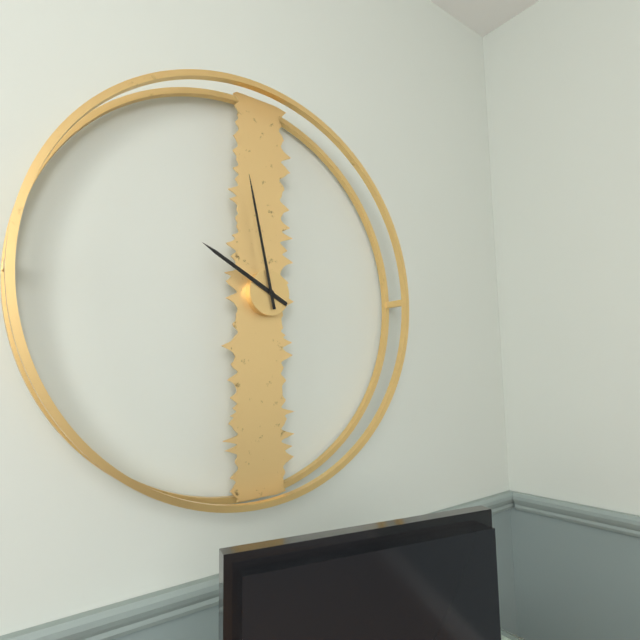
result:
9.58
